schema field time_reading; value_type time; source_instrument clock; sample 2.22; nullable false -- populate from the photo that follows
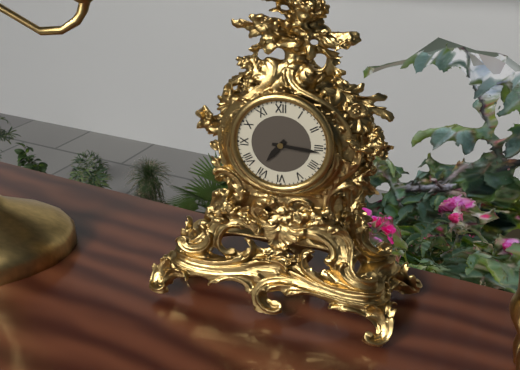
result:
7.16
